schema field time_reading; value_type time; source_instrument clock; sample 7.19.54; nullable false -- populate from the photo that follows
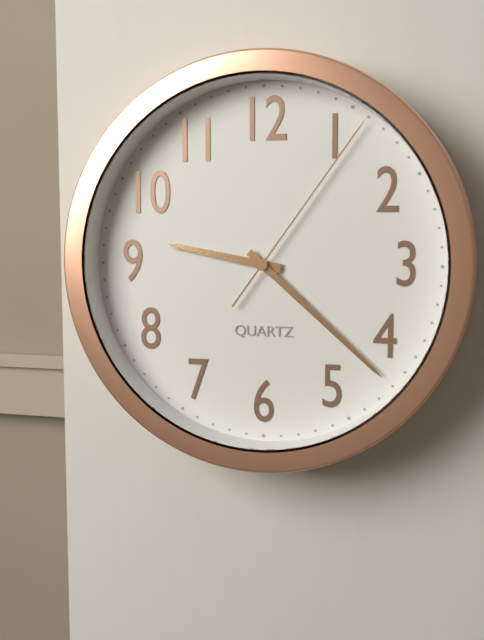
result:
9.22.06
